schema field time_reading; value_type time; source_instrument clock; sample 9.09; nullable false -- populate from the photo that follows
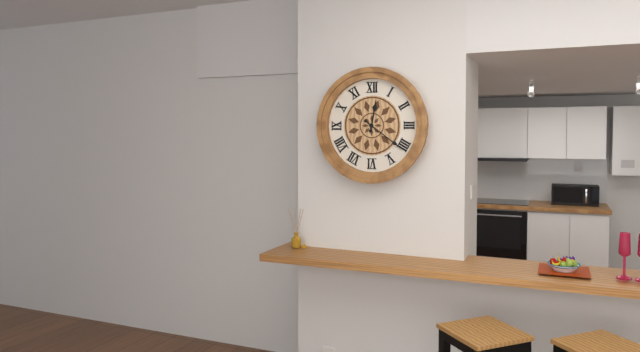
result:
12.21
